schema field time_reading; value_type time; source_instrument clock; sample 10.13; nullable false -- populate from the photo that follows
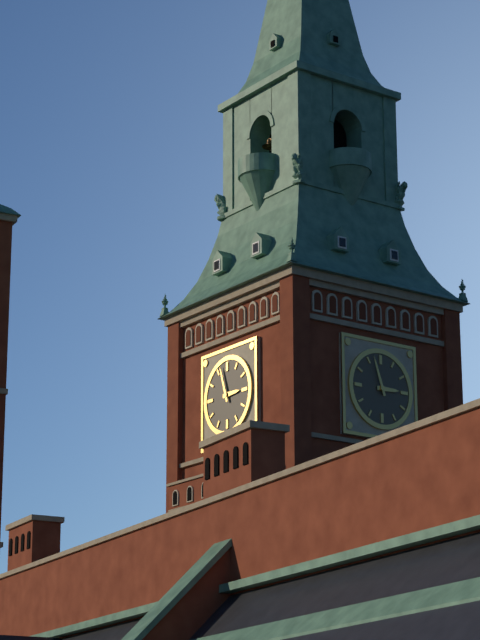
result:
2.57
